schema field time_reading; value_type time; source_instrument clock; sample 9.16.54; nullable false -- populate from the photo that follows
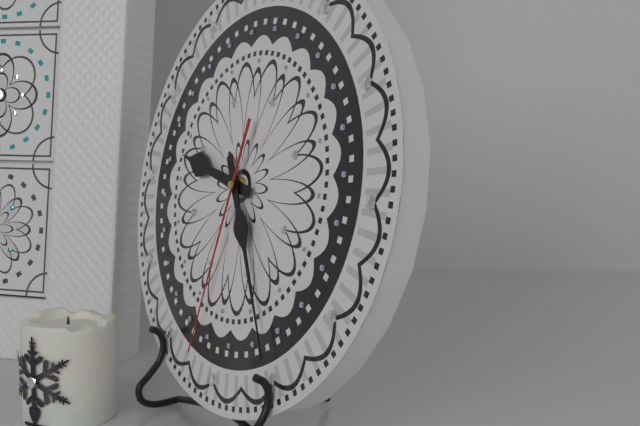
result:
9.25.32
